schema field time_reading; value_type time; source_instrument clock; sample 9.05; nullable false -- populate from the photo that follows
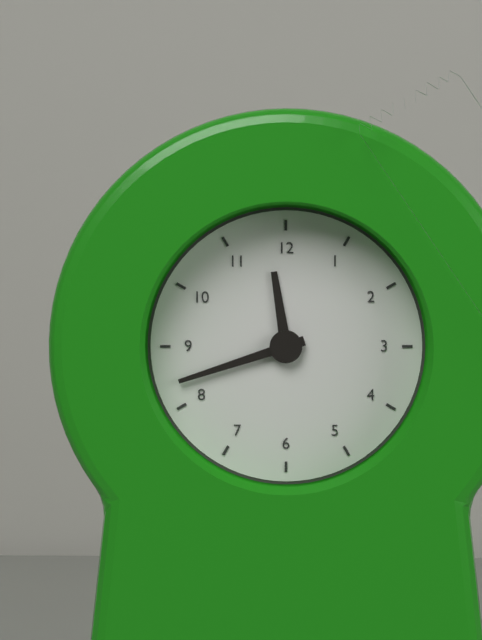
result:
11.42
